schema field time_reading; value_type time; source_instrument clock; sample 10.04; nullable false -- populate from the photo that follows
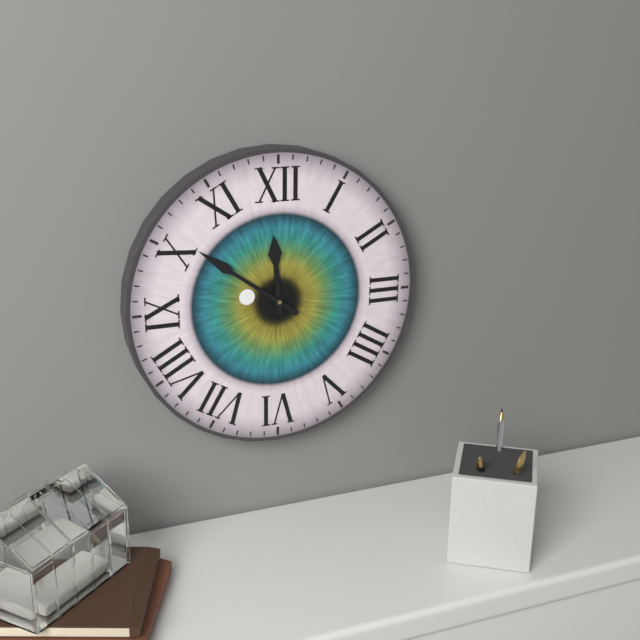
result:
11.51
